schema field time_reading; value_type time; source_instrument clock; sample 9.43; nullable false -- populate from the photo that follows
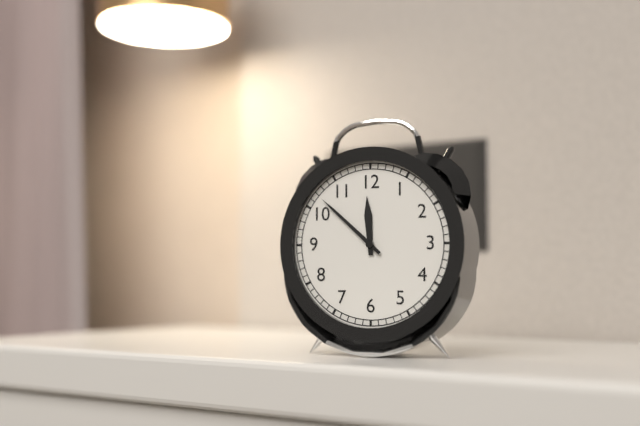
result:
11.52
